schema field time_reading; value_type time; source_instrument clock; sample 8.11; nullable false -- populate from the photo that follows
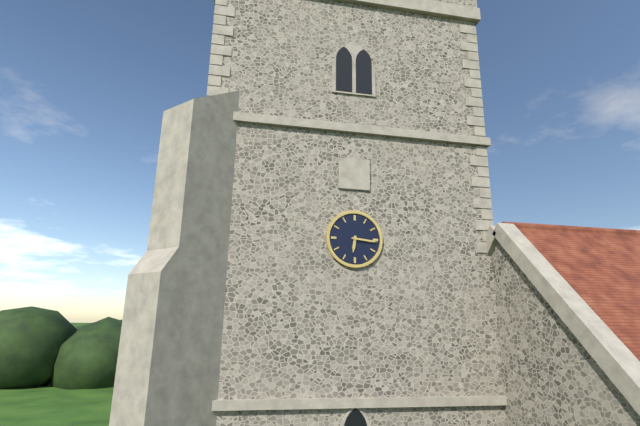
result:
6.16
